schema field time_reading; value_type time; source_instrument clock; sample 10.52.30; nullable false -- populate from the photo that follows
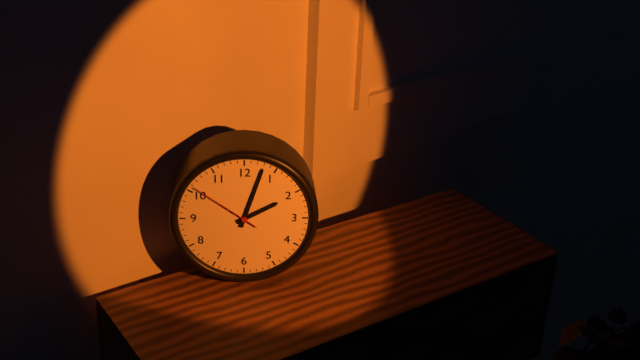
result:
2.03.51
